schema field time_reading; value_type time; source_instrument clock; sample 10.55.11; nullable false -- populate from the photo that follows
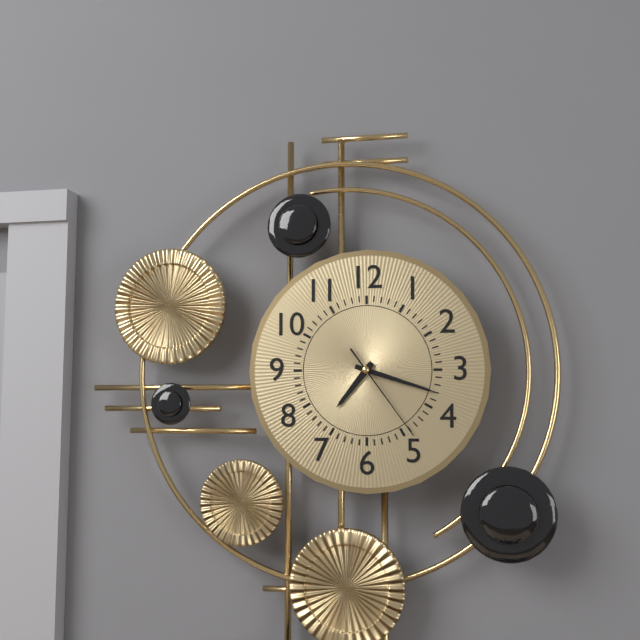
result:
7.18.24
